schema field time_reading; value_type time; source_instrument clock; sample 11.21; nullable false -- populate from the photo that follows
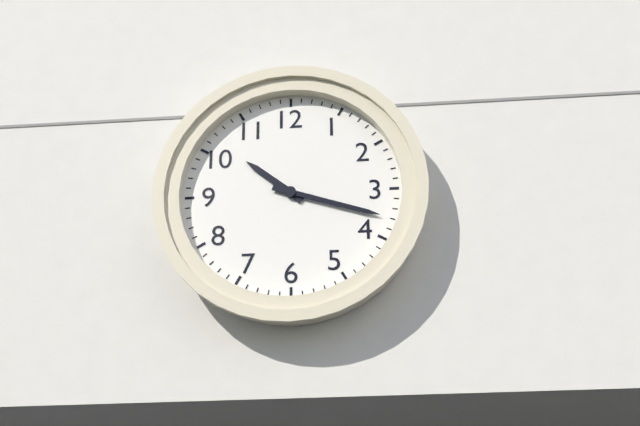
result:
10.18
